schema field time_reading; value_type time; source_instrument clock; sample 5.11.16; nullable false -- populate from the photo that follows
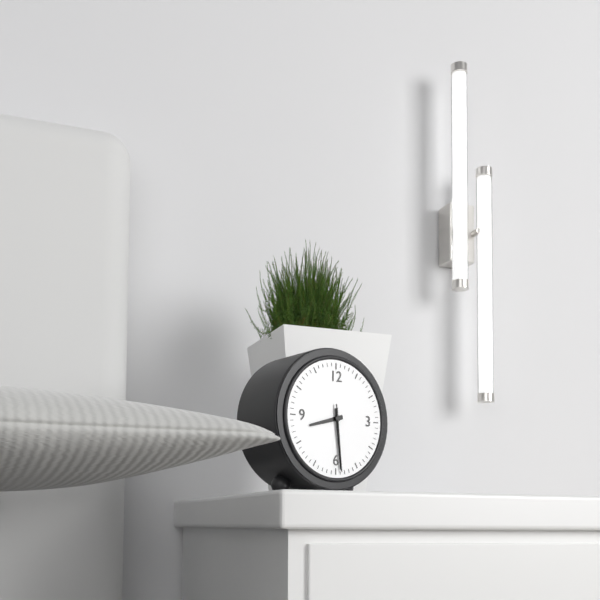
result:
8.29.29
